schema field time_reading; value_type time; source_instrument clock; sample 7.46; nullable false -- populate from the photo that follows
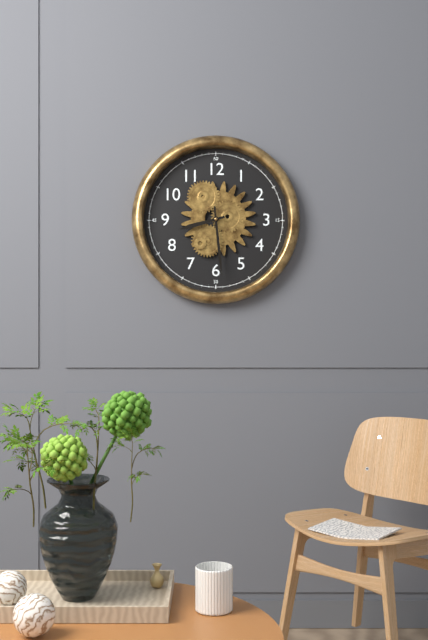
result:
8.29
